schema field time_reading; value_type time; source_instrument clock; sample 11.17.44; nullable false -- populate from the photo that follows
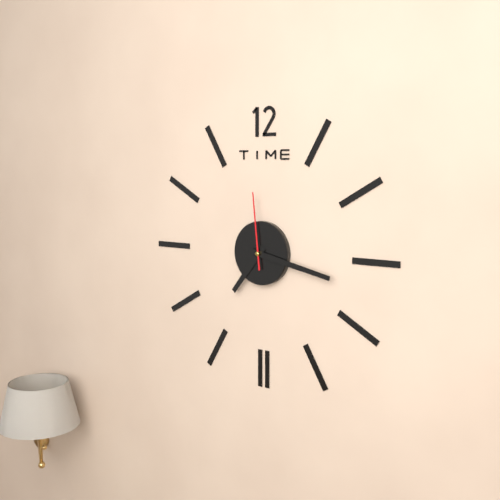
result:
7.17.59
